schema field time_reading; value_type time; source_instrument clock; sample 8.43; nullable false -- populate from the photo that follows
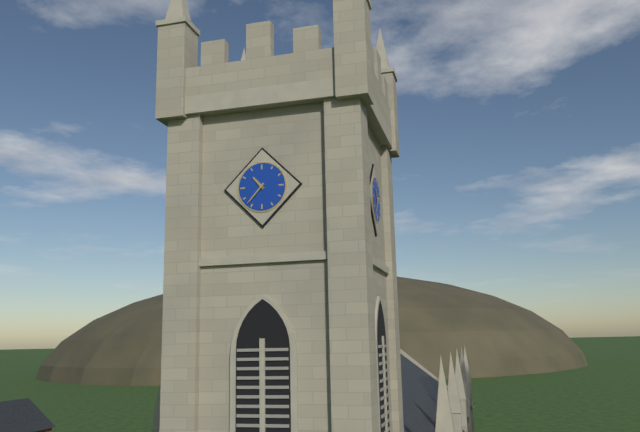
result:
10.37
